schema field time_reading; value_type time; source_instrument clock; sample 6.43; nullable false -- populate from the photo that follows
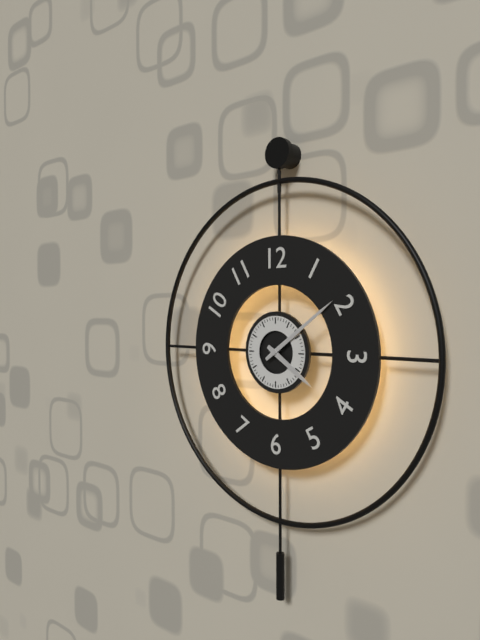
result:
4.09
